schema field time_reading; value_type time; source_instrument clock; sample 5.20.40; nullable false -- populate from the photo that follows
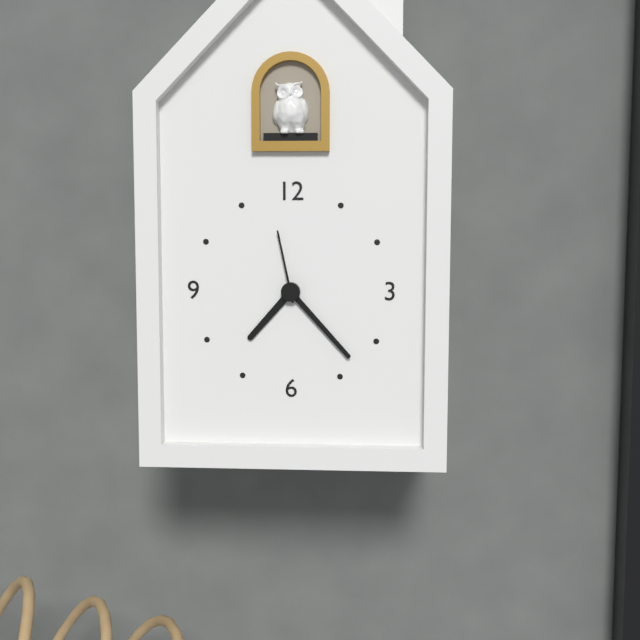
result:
7.23.58
